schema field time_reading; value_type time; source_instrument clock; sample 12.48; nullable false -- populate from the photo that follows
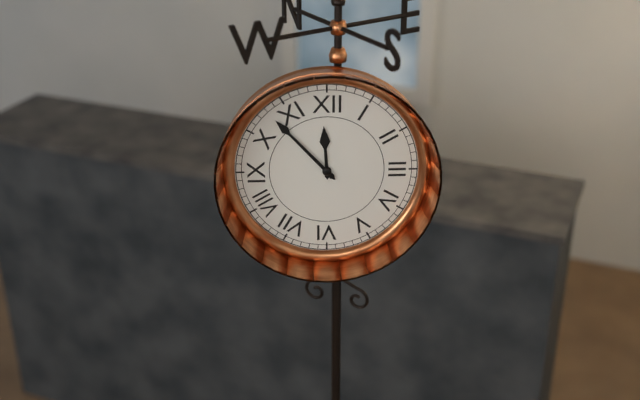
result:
11.53
